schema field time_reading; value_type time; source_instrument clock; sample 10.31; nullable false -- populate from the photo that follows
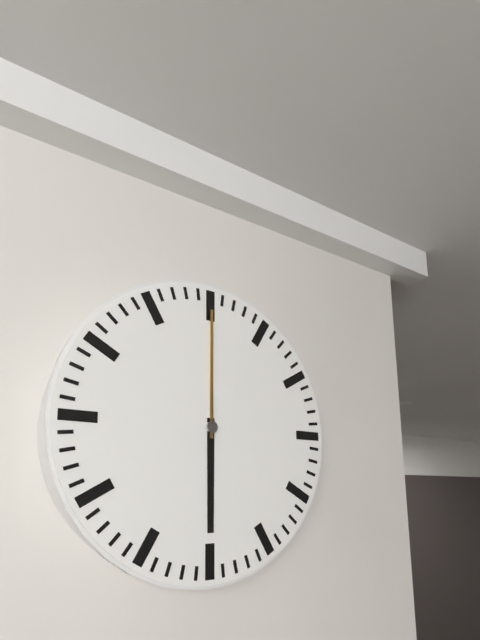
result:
6.00
